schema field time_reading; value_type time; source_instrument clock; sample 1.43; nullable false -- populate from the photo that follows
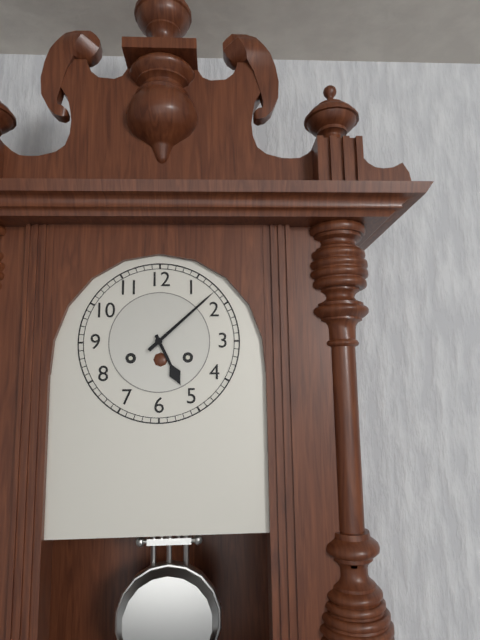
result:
5.08
